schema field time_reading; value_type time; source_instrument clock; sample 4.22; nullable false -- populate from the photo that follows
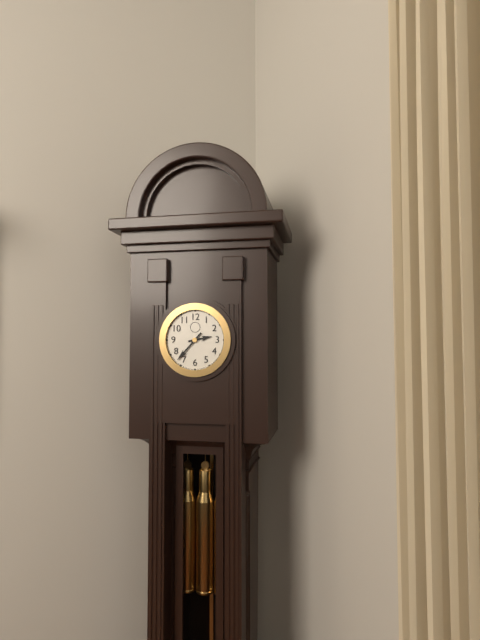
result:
2.37
